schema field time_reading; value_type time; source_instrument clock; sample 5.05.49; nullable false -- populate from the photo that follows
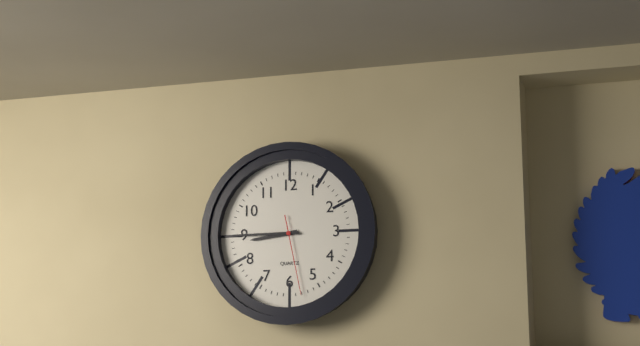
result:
8.45.28
